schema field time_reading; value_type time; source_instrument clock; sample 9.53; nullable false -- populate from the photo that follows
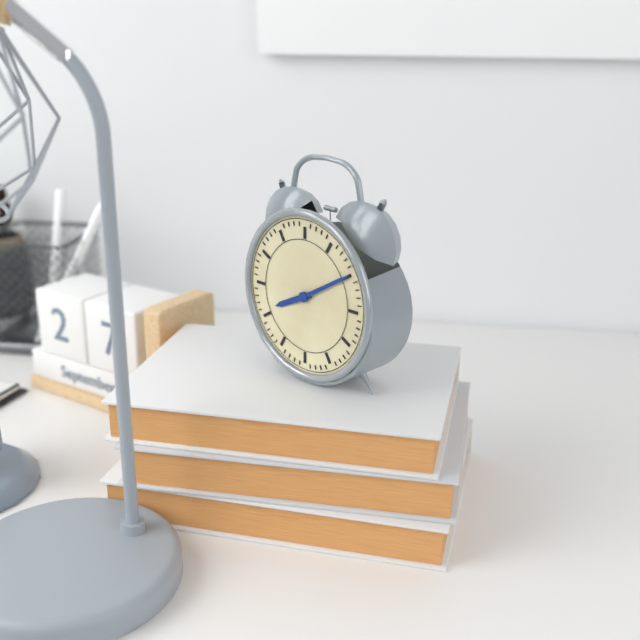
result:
8.10
